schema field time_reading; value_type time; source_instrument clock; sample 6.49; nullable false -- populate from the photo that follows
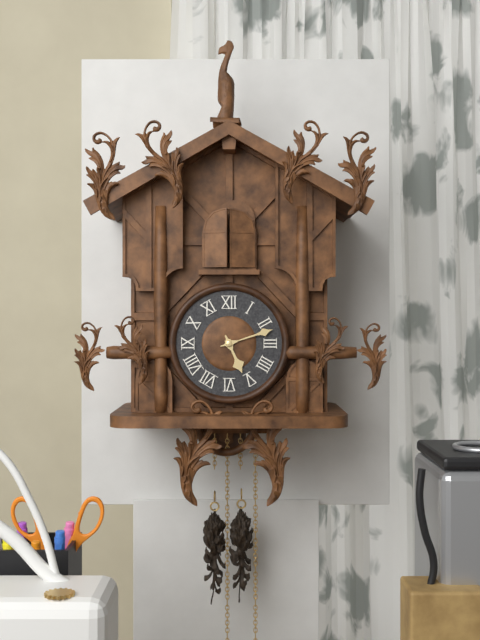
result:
5.12
